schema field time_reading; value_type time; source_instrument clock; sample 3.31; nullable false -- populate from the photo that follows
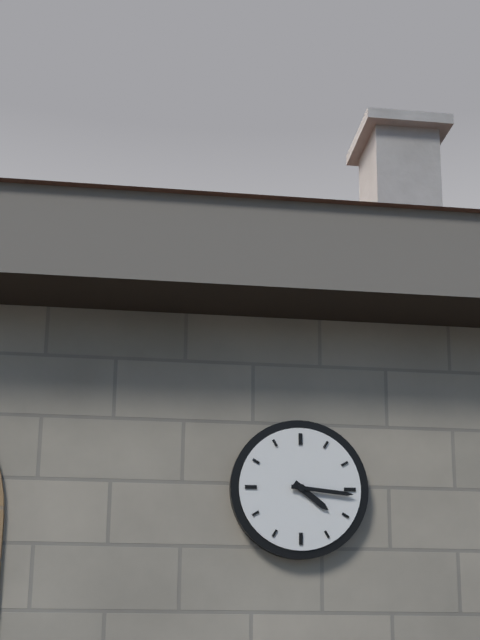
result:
4.16
